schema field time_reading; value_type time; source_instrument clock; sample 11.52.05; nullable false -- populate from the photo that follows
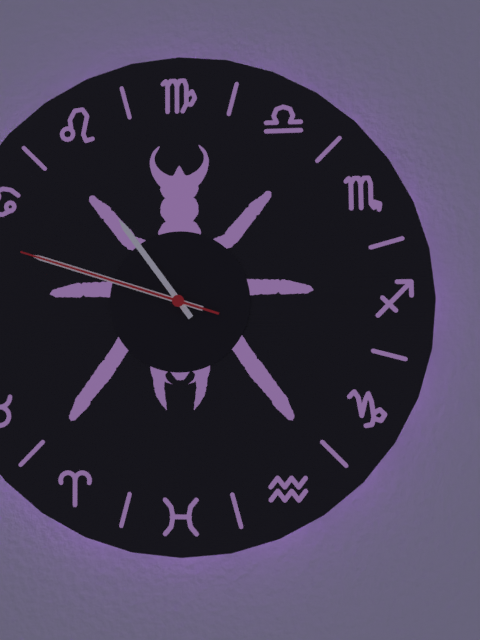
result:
10.48.48
